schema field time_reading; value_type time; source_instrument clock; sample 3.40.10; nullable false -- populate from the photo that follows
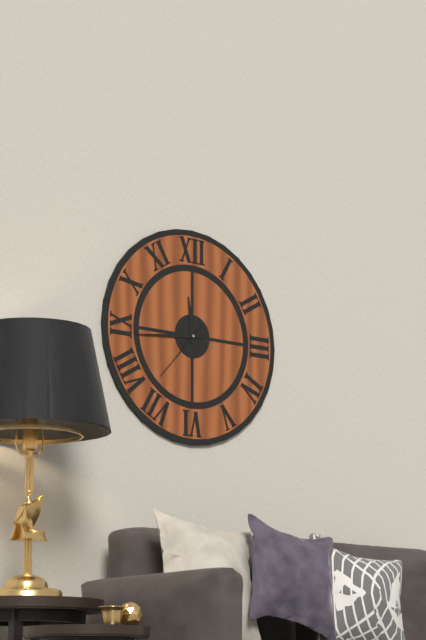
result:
11.44.37
